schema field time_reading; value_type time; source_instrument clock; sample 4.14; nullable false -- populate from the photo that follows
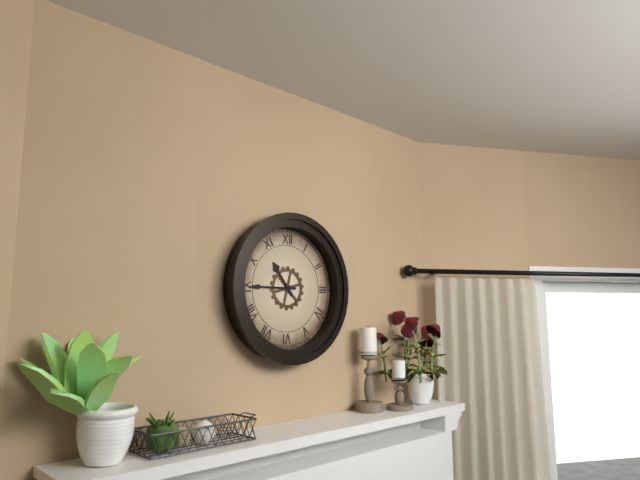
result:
10.45
